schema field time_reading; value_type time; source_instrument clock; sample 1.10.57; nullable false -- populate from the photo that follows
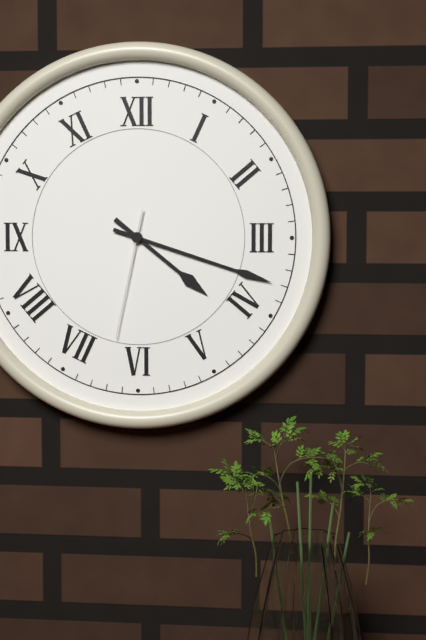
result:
4.18.32
